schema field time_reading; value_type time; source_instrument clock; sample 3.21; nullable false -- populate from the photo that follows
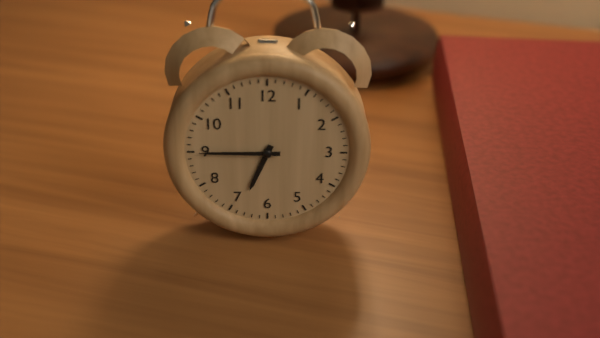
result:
6.45
